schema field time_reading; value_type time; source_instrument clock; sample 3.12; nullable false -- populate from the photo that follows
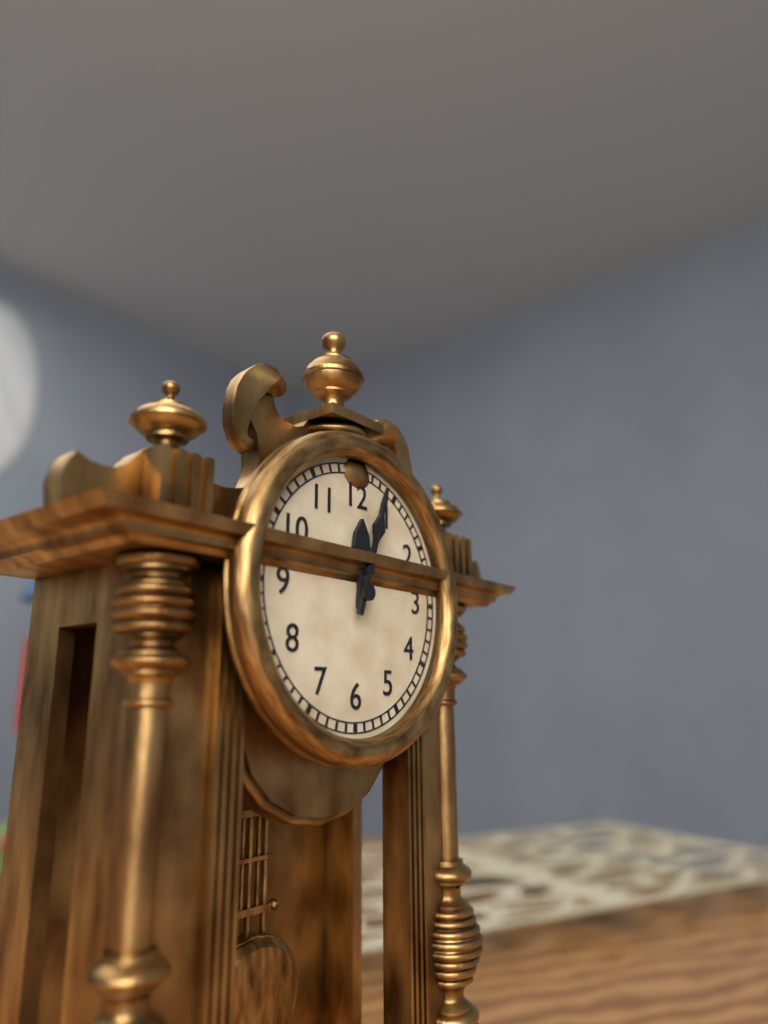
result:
12.03
